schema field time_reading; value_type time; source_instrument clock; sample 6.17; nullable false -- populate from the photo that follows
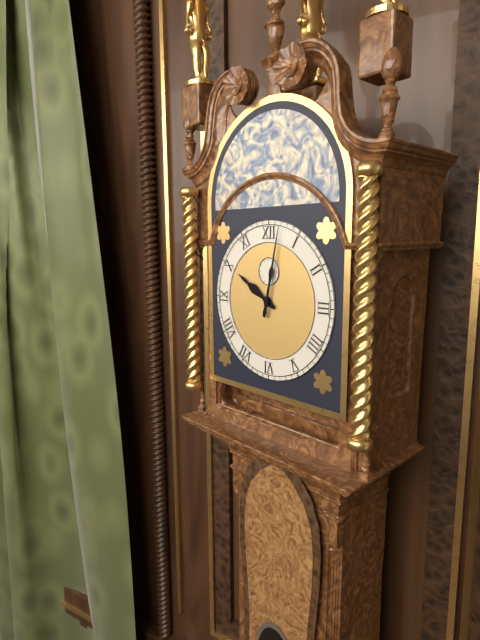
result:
10.02
